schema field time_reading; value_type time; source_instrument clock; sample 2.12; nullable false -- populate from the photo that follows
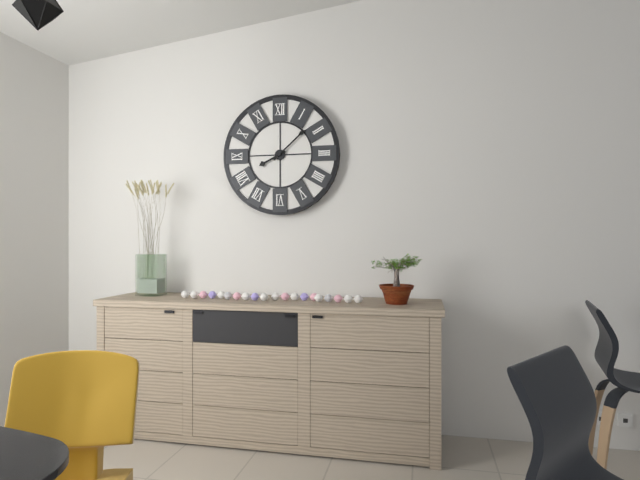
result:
8.08
